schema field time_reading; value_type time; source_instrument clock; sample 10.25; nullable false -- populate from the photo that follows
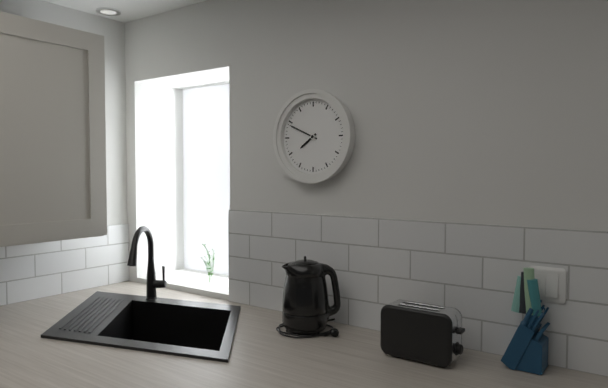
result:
7.49
